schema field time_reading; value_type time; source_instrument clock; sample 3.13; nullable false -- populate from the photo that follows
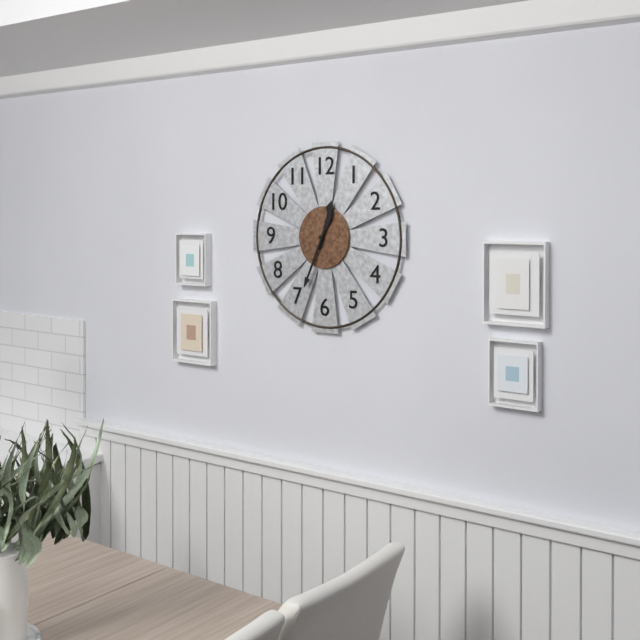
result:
12.34
